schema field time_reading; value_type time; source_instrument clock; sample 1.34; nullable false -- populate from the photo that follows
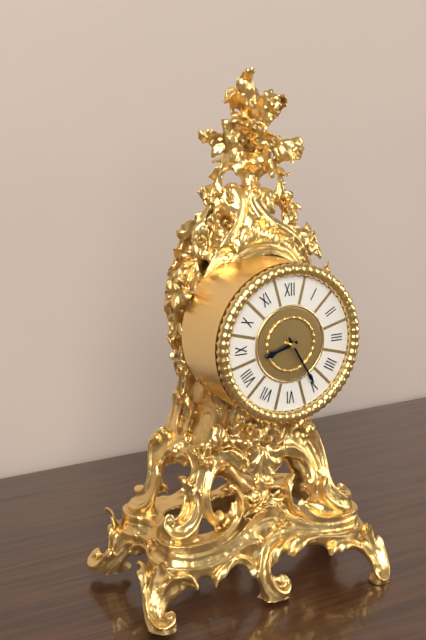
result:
8.25
